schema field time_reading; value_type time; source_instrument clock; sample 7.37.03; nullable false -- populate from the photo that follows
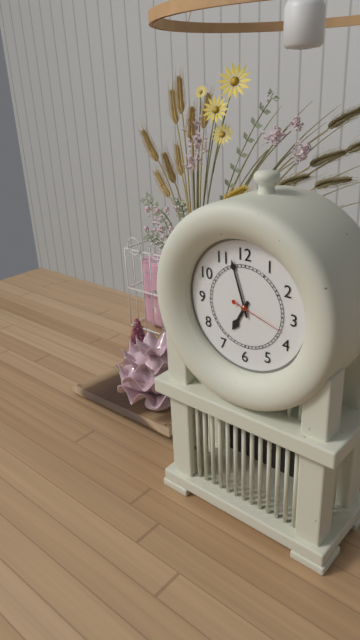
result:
6.57.18
